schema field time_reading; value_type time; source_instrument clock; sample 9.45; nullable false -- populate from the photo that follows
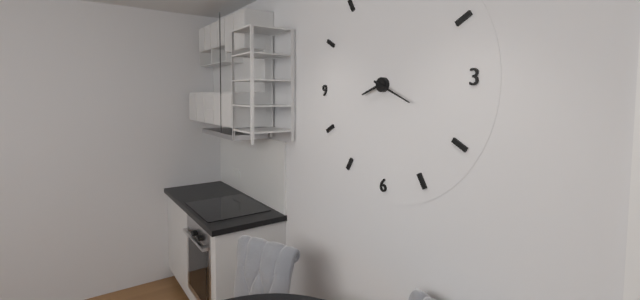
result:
8.19
